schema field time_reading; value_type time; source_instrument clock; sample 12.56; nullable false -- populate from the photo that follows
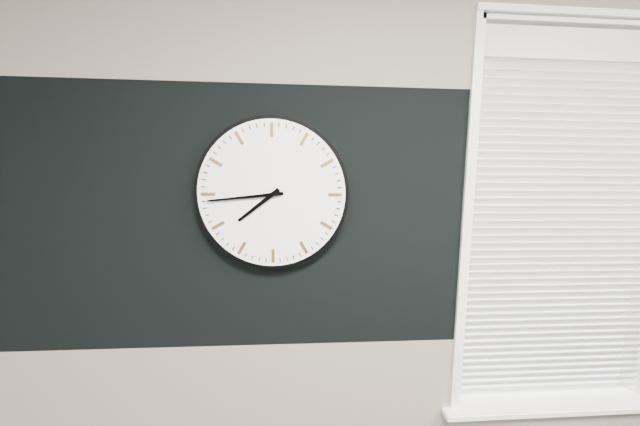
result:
7.44
